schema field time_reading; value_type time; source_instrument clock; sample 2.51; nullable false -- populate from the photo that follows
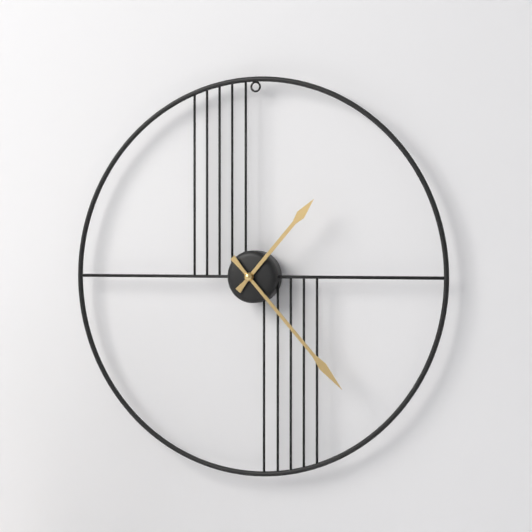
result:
1.23
